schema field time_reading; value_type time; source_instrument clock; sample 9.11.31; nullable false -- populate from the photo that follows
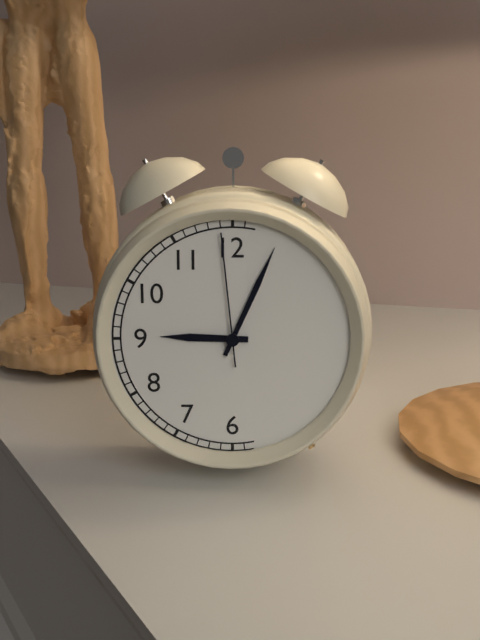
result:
9.04.59
